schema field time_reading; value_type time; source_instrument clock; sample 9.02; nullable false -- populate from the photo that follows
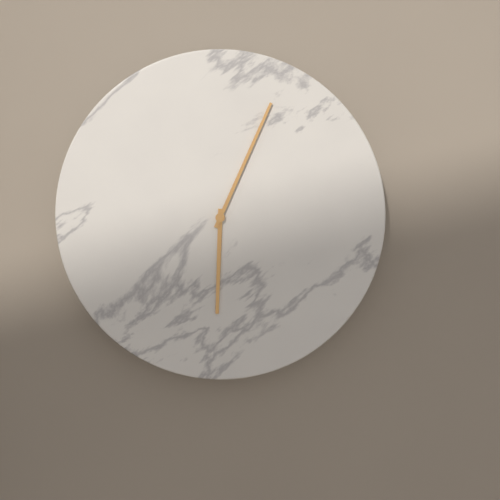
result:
6.04
